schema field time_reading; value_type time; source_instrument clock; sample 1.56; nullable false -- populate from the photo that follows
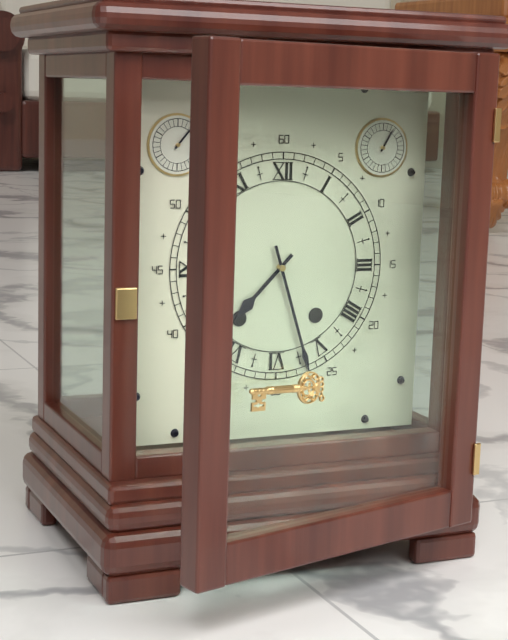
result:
7.27
